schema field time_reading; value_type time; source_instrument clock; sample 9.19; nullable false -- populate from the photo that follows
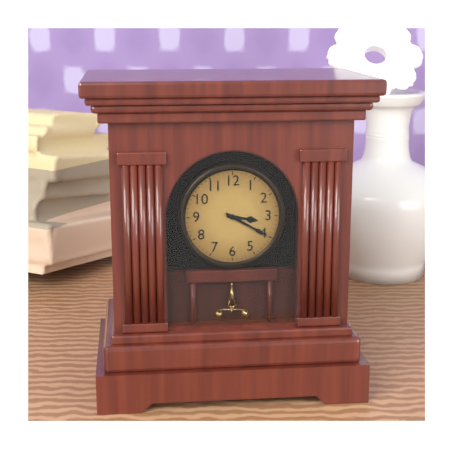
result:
3.20
